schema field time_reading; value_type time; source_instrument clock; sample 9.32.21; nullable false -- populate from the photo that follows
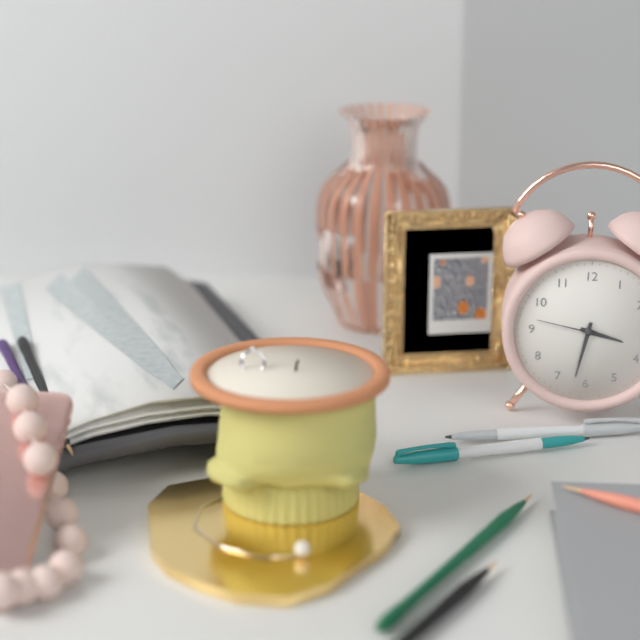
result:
3.32.47
